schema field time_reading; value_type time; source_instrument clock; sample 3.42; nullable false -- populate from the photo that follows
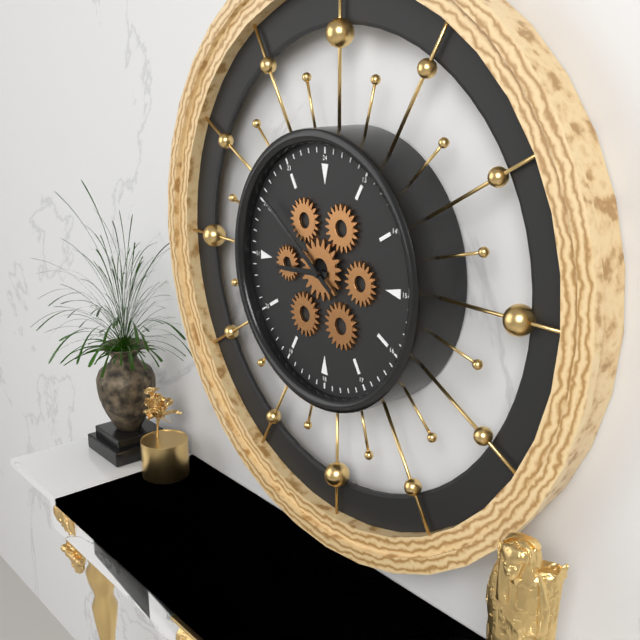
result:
8.51
